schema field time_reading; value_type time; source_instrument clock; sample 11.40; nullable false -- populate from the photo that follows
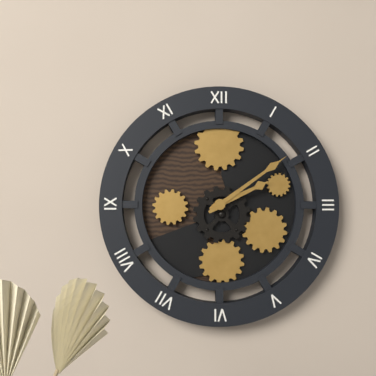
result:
2.09
